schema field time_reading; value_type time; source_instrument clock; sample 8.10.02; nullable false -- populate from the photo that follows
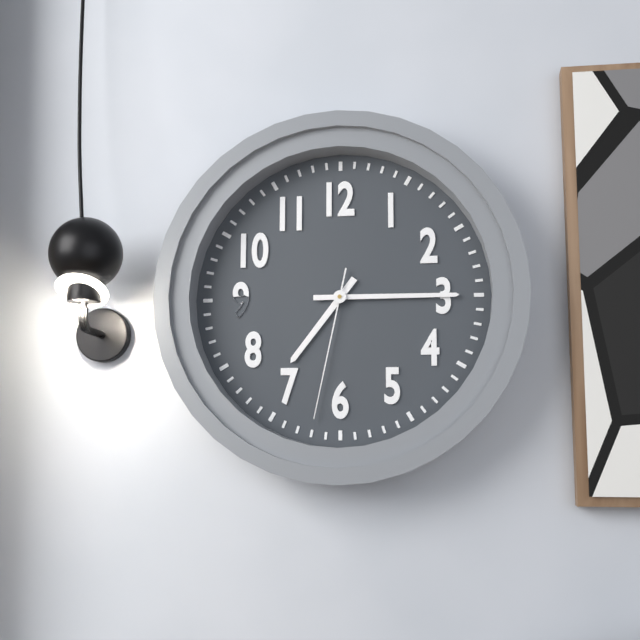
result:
7.15.32
